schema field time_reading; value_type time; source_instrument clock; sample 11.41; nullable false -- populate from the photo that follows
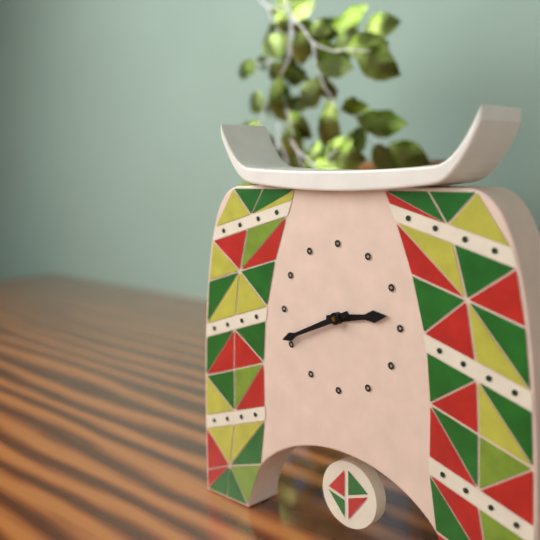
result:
2.41
